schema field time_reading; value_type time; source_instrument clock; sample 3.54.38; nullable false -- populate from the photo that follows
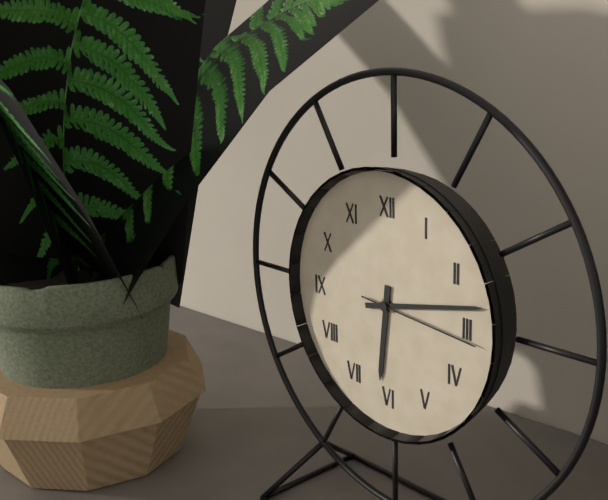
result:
6.13.16
